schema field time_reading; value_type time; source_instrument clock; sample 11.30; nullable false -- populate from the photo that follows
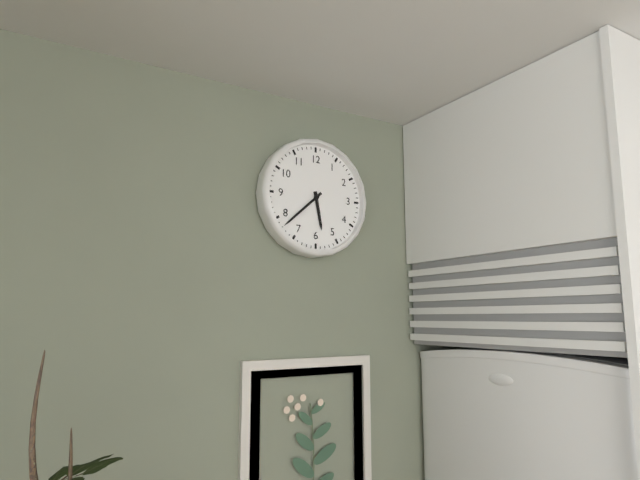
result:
5.38
